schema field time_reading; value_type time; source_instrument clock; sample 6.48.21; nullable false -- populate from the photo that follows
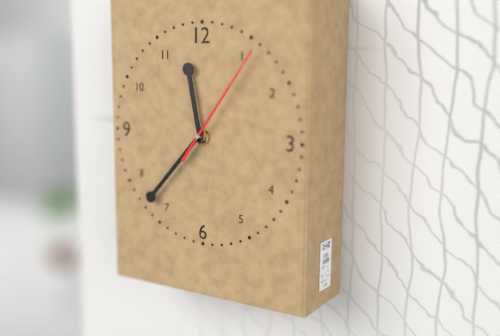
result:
11.37.06
